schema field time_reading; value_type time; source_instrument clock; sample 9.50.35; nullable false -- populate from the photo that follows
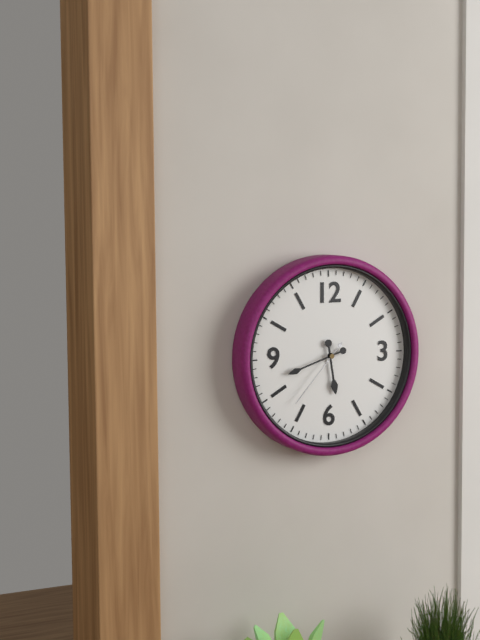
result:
5.42.37
